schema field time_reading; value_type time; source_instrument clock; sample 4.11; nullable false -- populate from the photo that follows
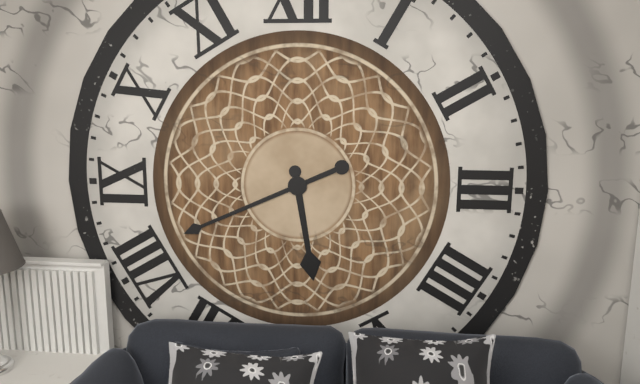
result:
5.41
